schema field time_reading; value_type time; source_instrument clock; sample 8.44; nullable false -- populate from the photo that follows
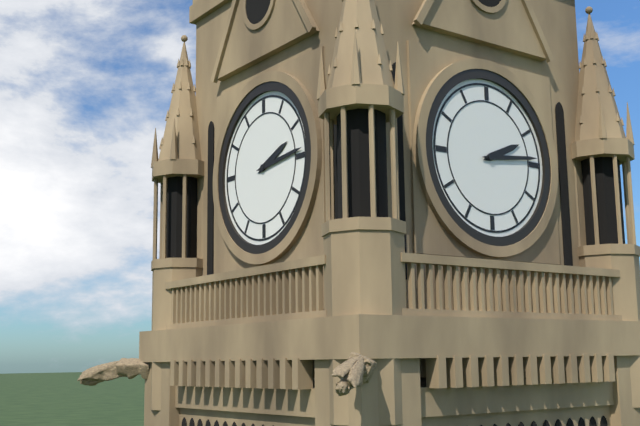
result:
2.14
